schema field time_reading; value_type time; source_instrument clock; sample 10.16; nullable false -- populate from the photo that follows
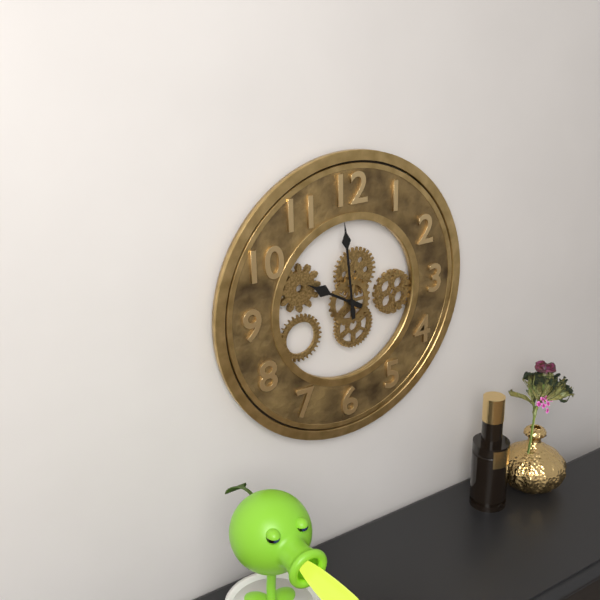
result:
9.59
